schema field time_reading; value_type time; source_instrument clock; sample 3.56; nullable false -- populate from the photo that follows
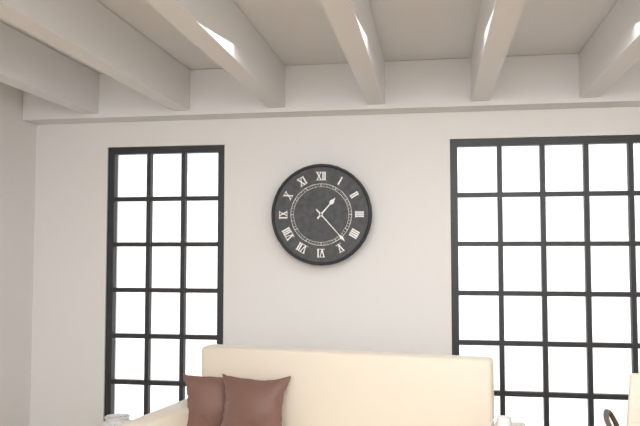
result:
1.23
